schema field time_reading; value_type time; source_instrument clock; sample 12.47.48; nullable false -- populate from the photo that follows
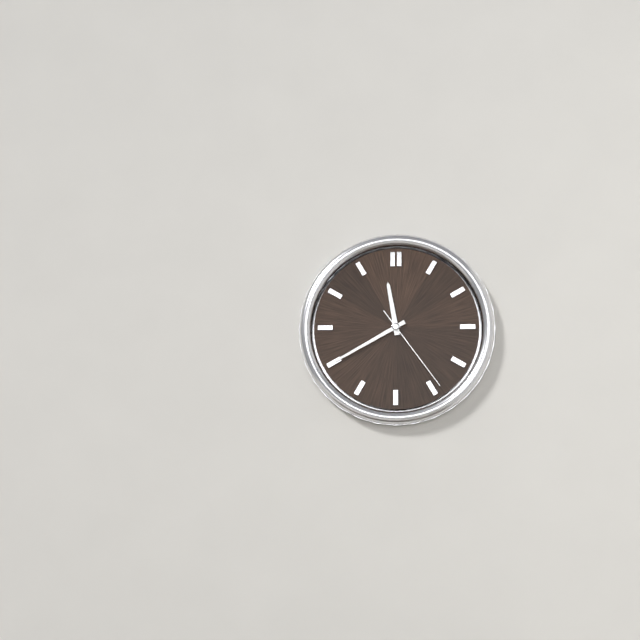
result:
11.40.24
